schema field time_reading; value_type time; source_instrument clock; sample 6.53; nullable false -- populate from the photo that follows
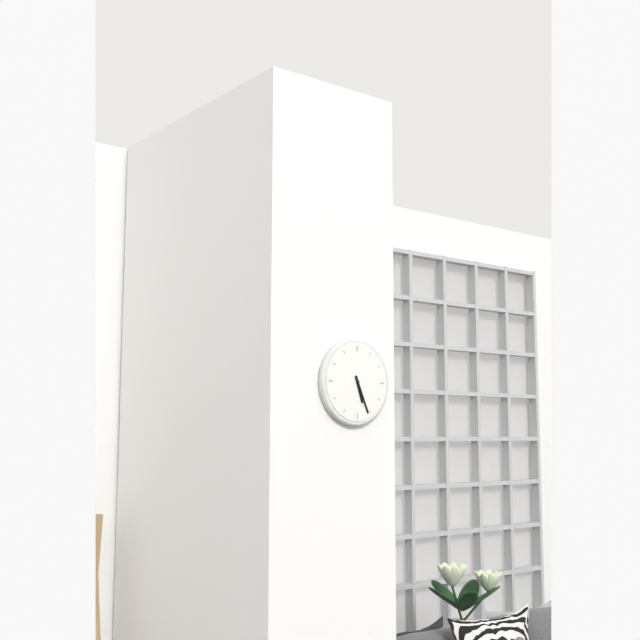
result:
5.26
